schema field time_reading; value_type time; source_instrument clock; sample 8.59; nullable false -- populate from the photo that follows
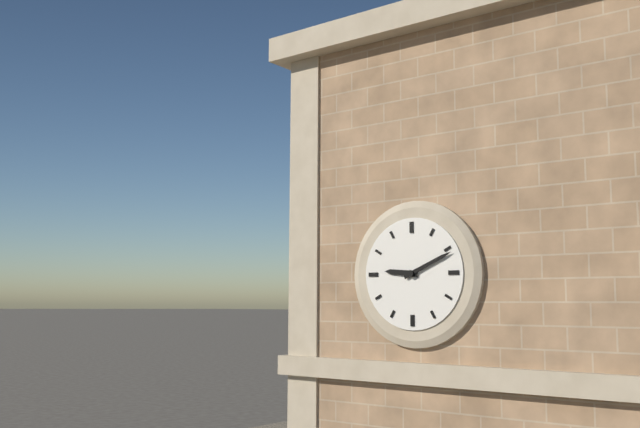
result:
9.11
